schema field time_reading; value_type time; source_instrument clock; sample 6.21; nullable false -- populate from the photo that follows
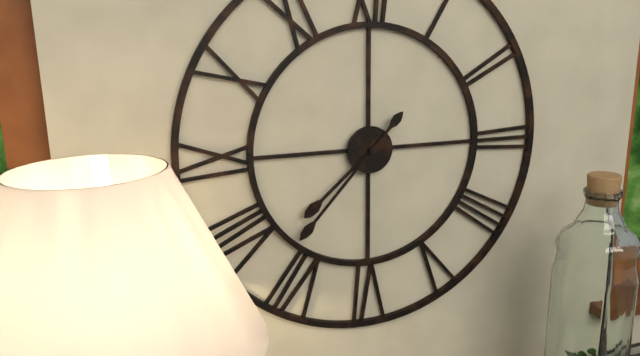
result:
7.37
